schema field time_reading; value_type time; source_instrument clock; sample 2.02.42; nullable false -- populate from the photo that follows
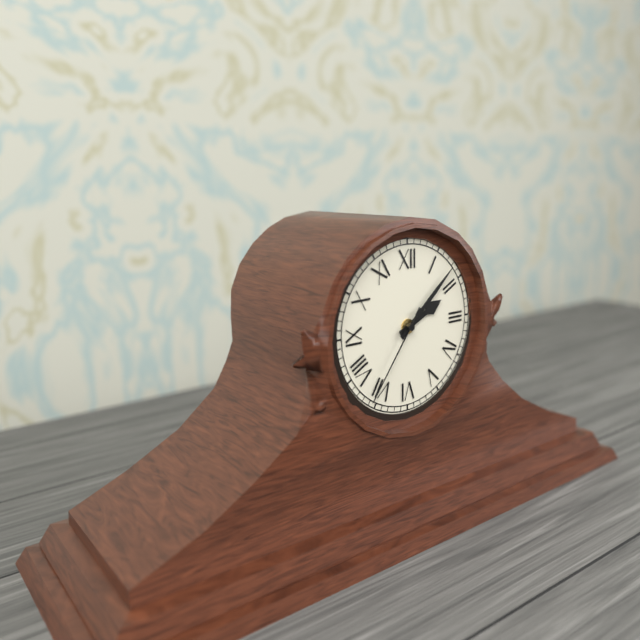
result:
2.08.36
